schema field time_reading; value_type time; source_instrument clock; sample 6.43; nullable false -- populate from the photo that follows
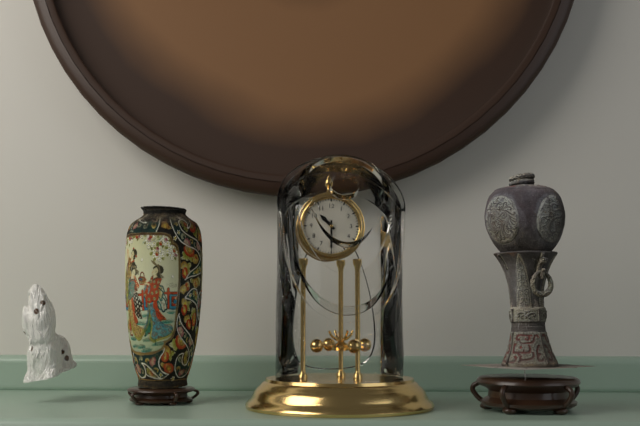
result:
10.30
